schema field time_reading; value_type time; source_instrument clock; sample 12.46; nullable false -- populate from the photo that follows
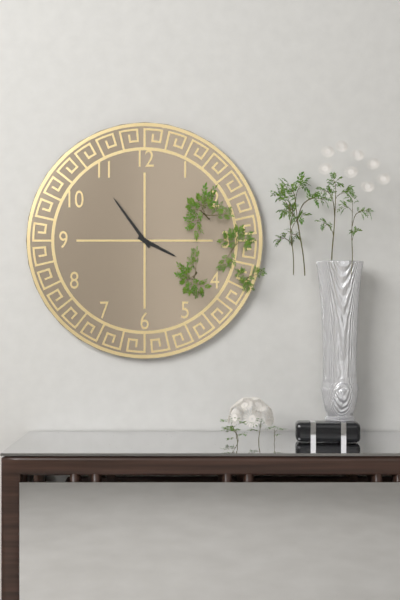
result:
3.54
